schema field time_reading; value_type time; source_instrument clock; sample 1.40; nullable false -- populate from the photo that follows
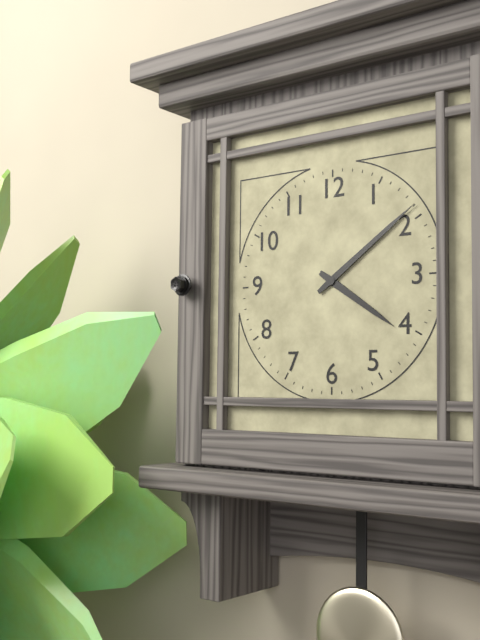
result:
4.09
